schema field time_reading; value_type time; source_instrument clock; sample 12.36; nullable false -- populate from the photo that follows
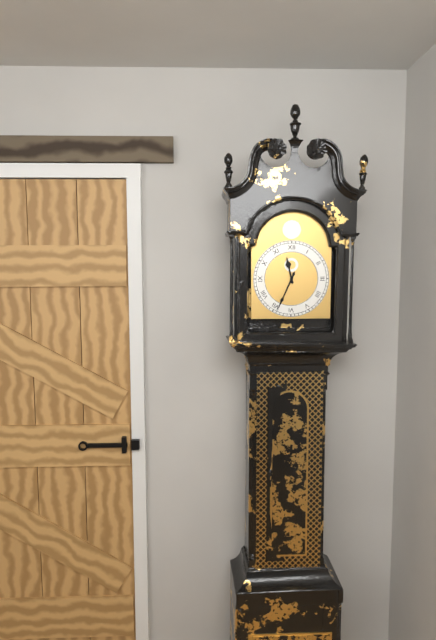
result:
11.34
